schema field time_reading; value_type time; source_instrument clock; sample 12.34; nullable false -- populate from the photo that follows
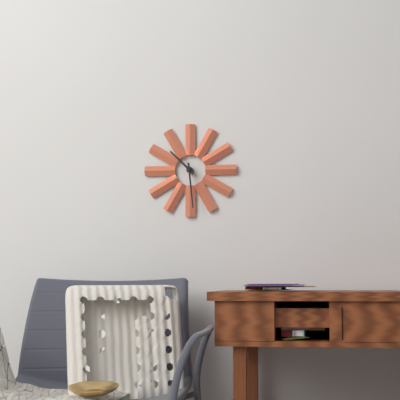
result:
10.29
